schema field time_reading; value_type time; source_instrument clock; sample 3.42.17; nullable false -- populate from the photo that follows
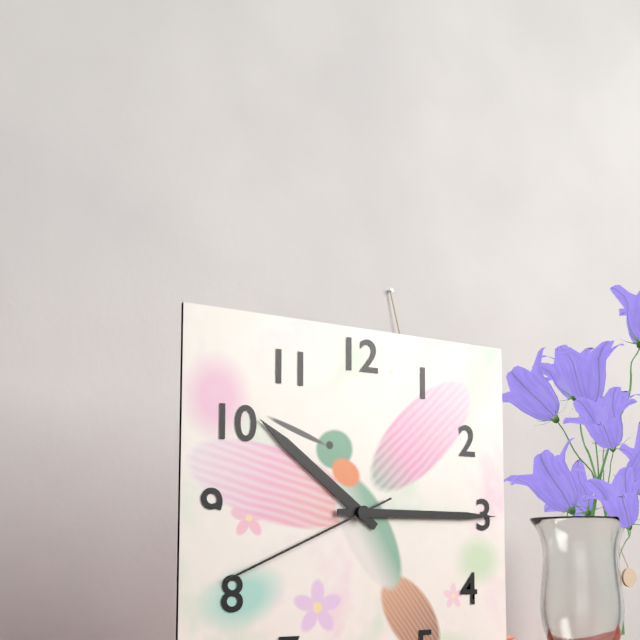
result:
10.15.41
